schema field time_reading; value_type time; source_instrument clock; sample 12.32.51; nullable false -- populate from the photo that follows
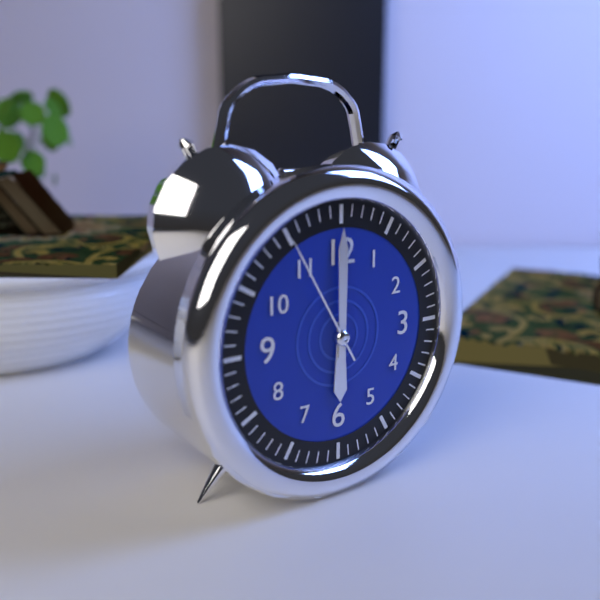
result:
6.00.55
